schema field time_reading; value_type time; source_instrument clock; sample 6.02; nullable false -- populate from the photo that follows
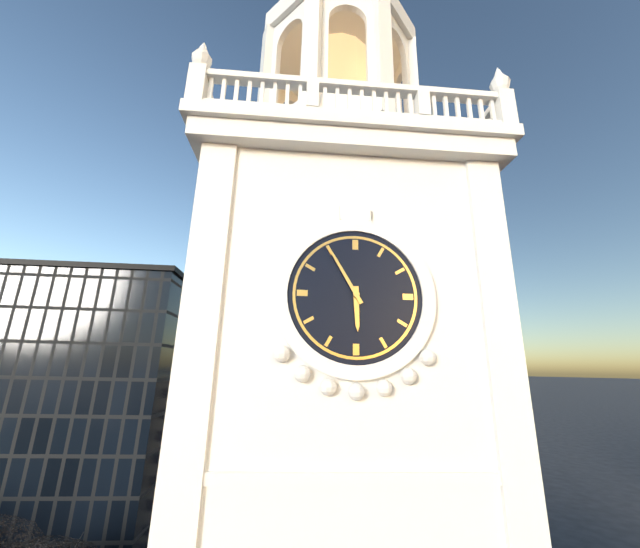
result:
5.55
